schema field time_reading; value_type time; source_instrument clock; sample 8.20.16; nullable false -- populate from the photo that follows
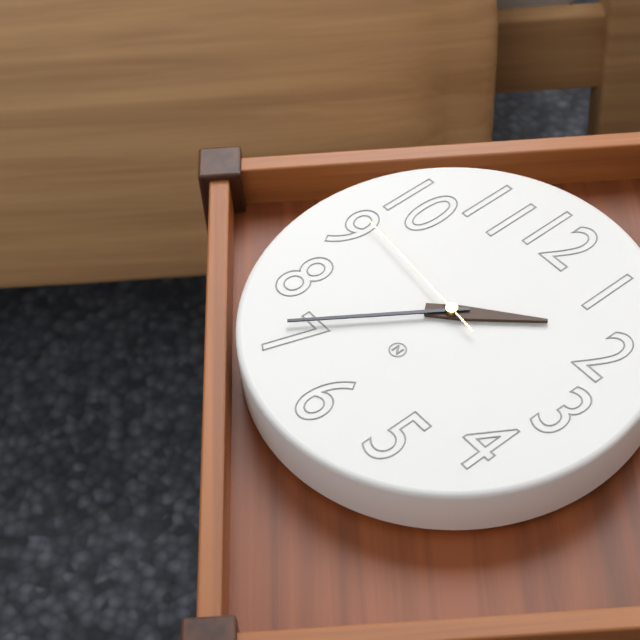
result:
1.36.46
